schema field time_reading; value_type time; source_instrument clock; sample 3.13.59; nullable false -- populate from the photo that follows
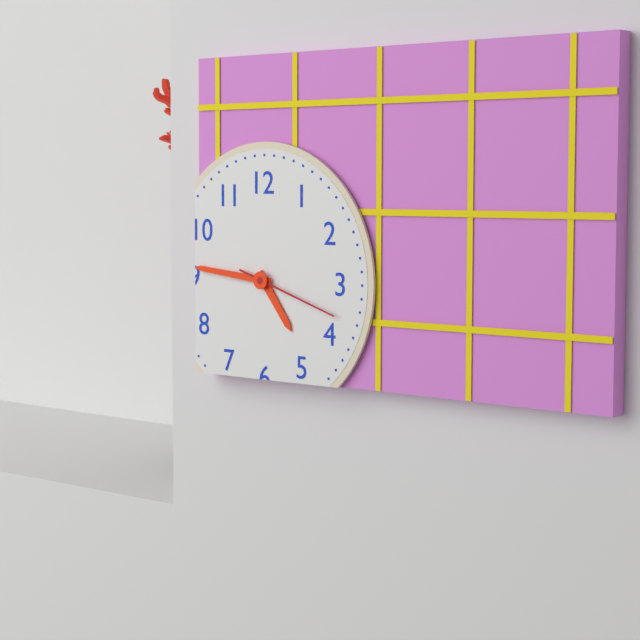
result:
4.46.18
